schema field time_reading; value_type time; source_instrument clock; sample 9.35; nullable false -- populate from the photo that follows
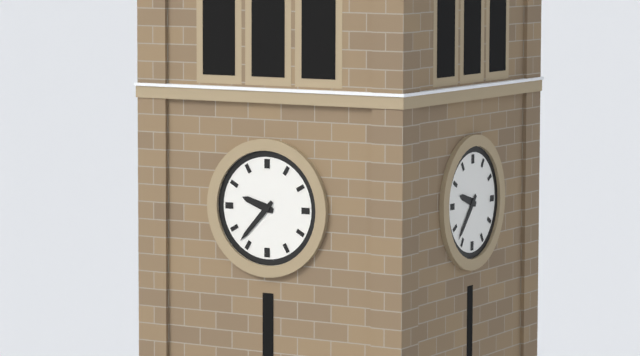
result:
9.37
